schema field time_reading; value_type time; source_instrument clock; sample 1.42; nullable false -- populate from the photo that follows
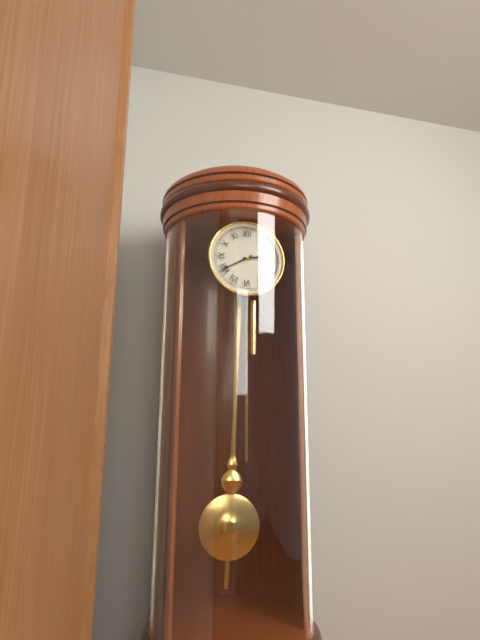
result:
2.40
